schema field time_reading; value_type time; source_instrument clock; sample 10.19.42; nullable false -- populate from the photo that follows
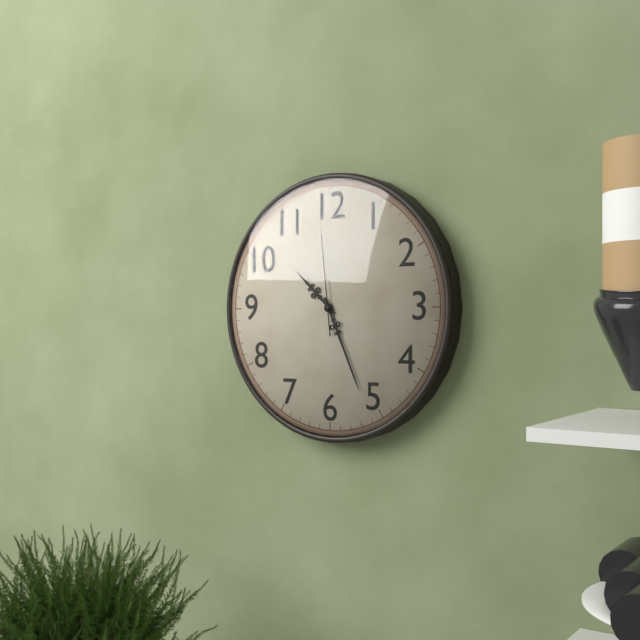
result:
10.26.59
